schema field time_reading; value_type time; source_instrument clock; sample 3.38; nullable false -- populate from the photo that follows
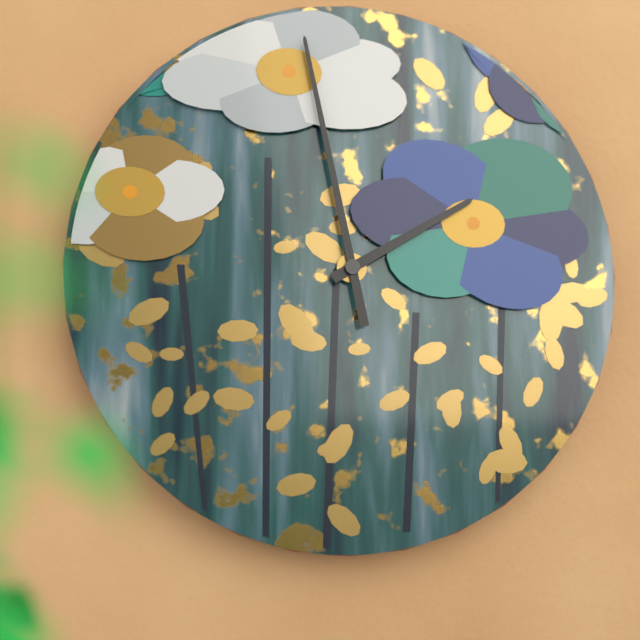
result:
1.58
